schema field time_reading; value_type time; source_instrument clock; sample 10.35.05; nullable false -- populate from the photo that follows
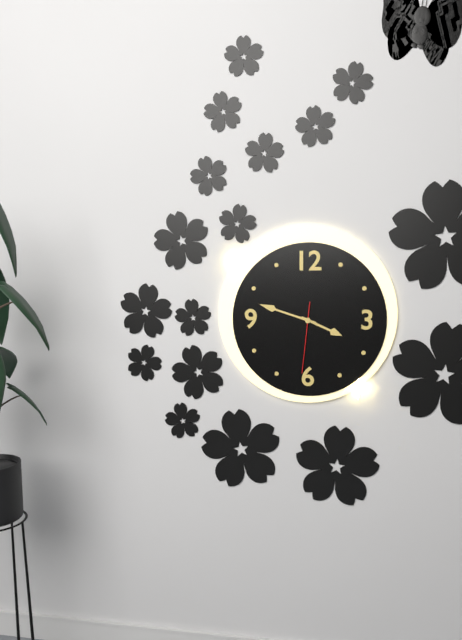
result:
3.48.31
